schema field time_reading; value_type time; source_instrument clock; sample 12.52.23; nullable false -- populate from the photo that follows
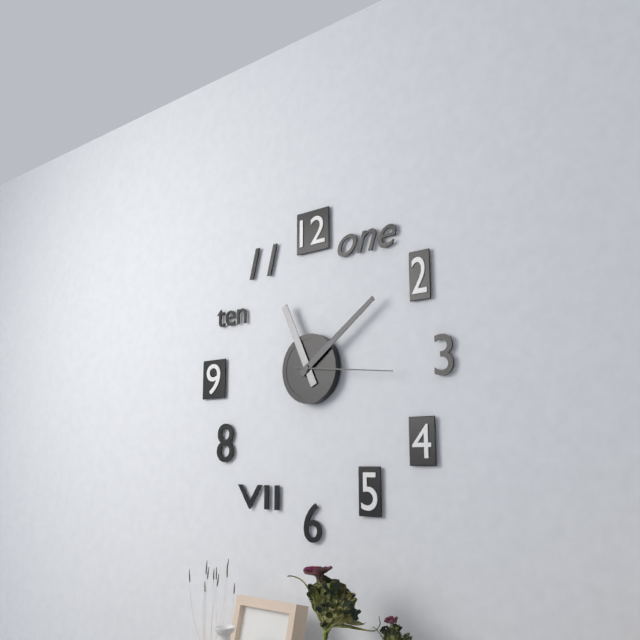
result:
11.09.16
